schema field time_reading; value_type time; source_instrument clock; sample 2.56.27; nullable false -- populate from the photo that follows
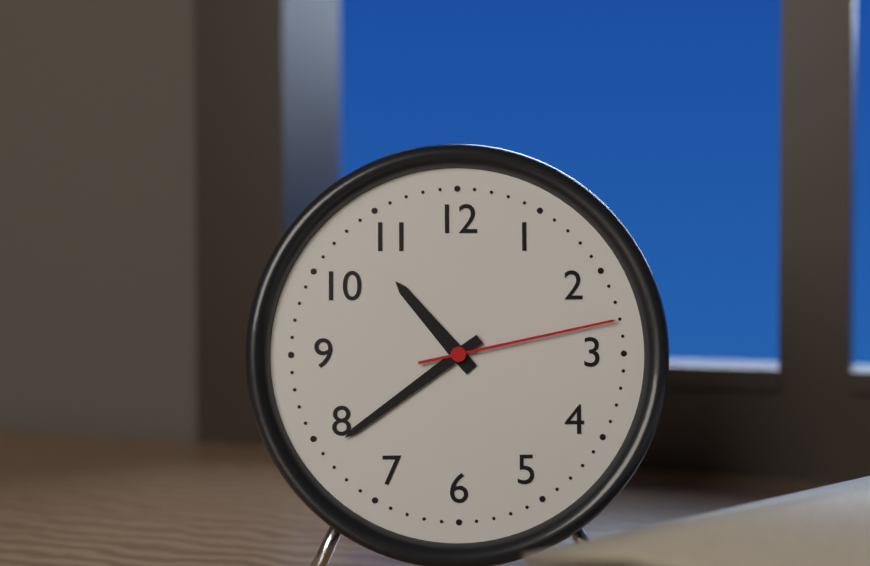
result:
10.39.13
